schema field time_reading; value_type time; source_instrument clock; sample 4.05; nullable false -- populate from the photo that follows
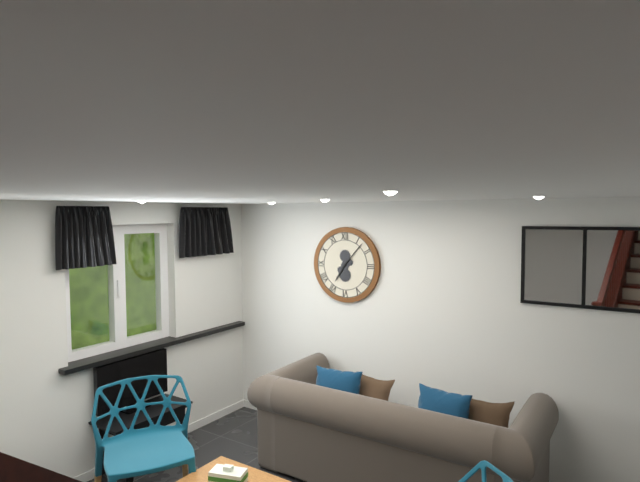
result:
7.07
